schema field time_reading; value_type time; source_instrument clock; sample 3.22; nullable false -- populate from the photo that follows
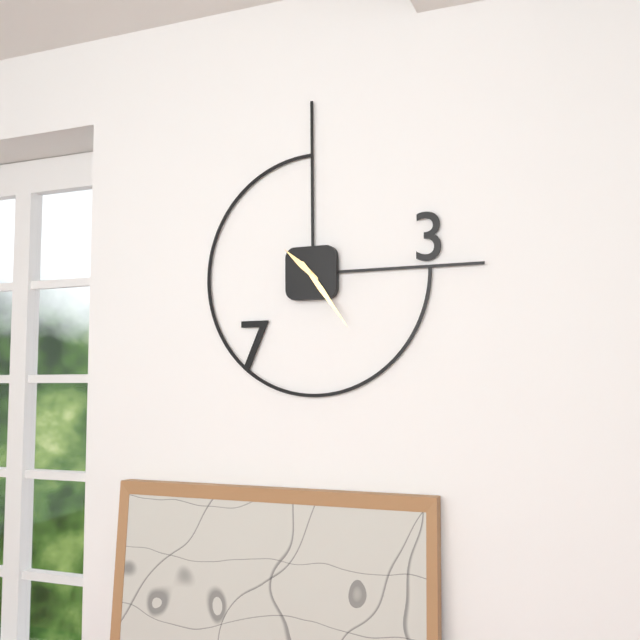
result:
10.24
